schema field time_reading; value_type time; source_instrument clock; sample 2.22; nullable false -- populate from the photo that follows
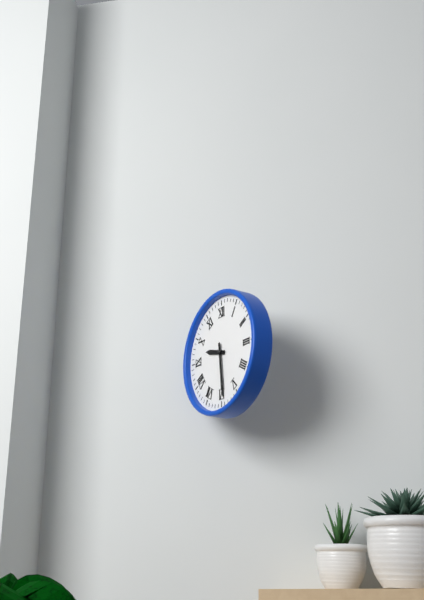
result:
9.29
